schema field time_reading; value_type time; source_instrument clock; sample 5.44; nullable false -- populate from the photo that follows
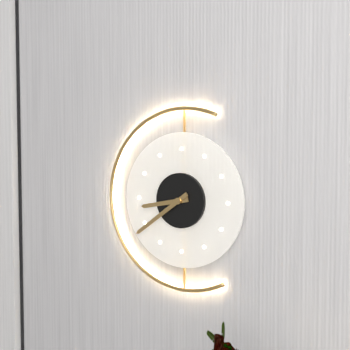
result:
8.39
